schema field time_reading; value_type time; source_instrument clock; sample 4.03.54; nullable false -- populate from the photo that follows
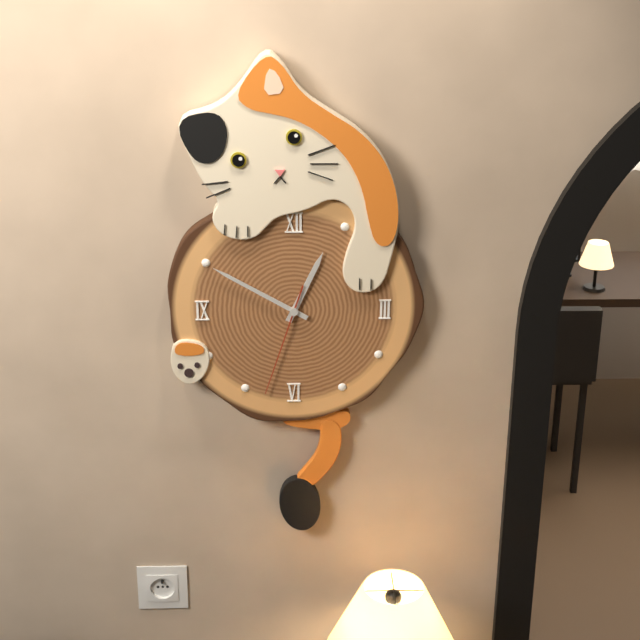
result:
12.50.33
